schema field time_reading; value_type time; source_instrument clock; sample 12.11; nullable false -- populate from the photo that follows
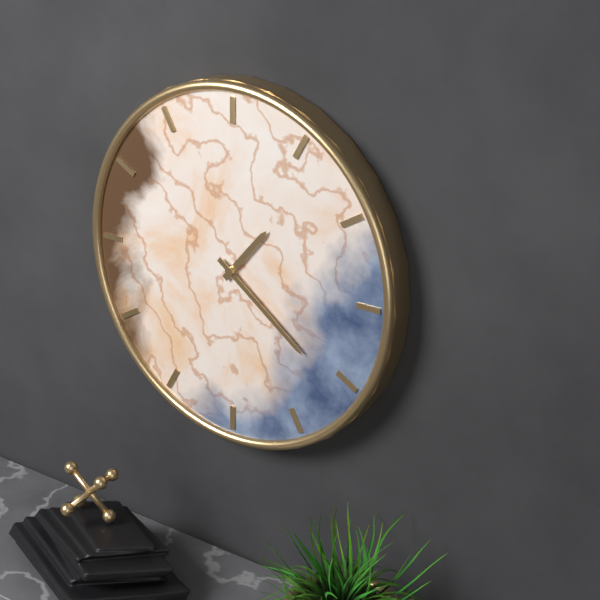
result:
1.21
